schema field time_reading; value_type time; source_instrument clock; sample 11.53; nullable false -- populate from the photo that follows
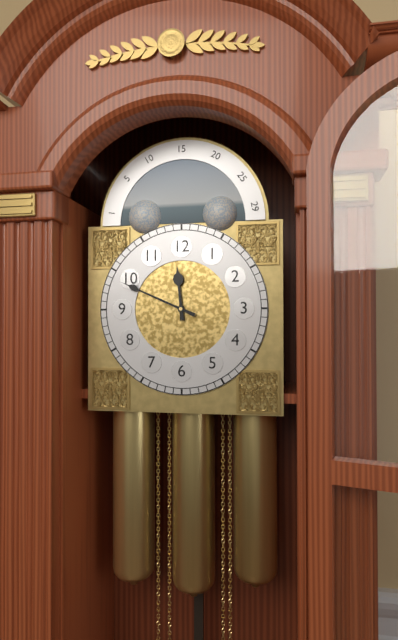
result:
11.49
